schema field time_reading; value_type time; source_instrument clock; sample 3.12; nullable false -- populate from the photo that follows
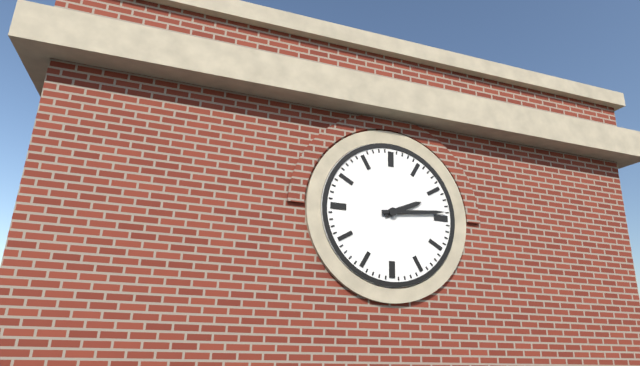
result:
2.14
